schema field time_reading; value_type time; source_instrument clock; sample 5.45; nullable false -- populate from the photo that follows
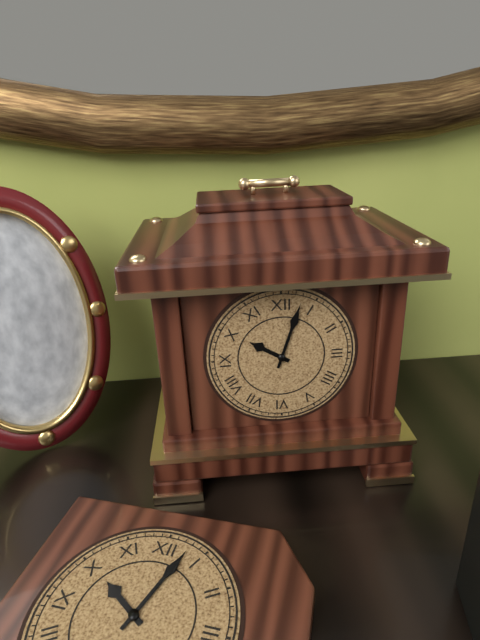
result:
10.03
